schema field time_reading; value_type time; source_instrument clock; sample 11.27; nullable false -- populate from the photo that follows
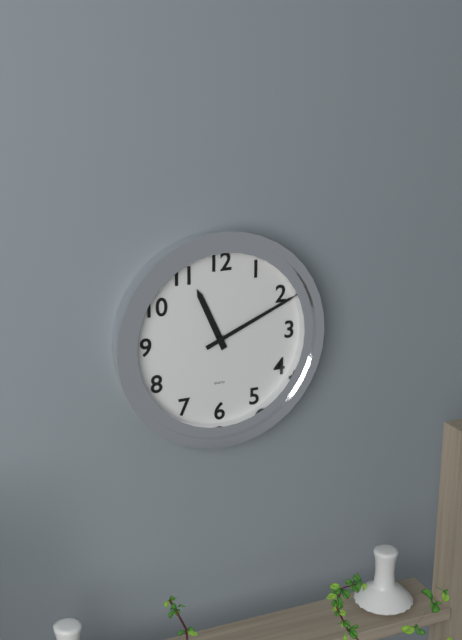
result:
11.11
